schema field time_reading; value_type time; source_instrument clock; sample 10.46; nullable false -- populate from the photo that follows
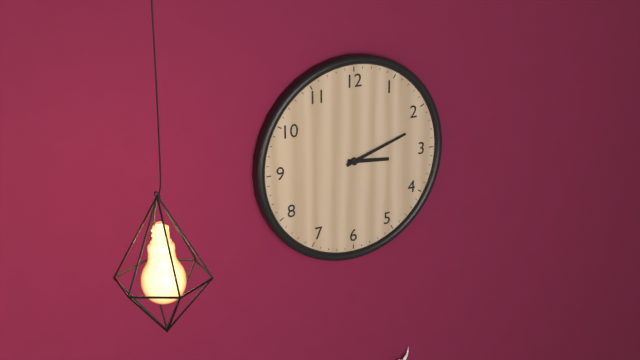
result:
3.12
